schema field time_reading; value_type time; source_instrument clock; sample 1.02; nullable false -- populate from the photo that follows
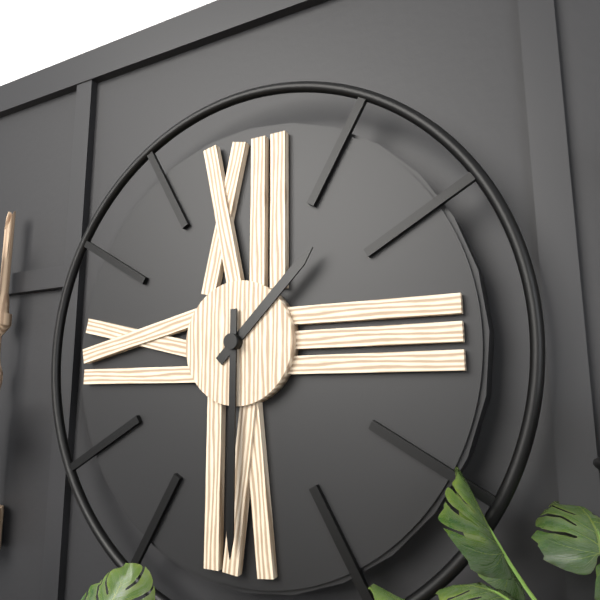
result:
1.30
